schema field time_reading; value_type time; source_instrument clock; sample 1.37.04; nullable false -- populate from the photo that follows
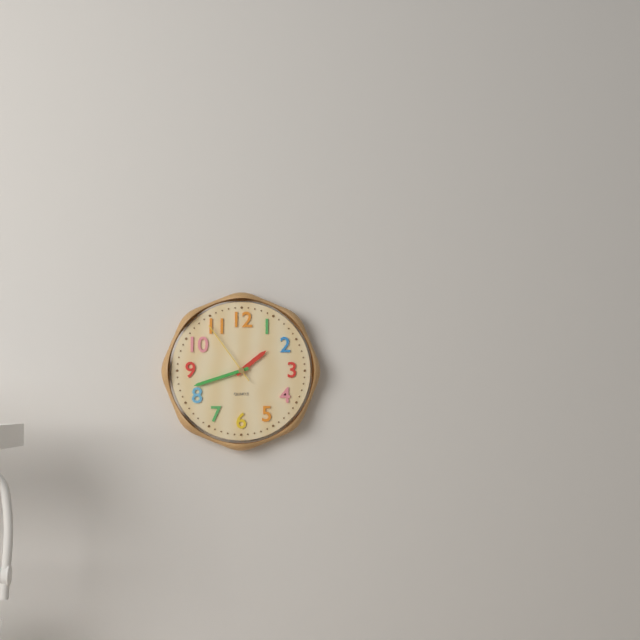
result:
1.42.54
